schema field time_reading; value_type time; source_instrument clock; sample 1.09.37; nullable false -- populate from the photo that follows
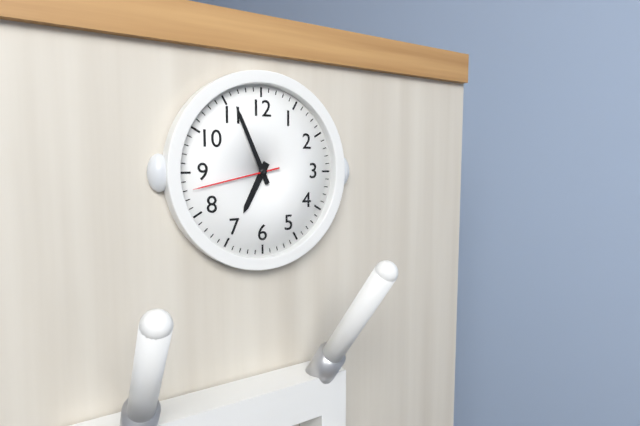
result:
6.56.43
